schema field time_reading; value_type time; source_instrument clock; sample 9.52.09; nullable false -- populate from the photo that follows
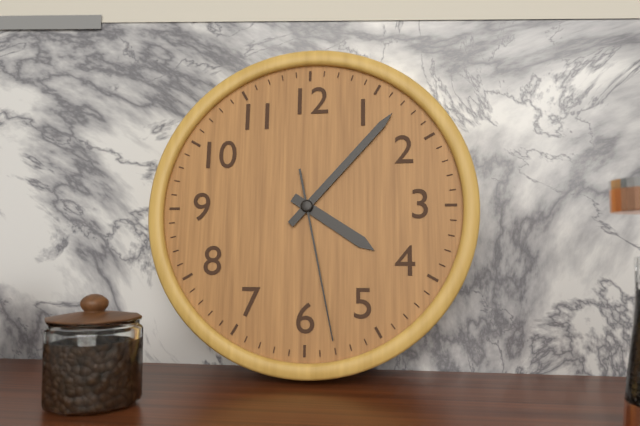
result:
4.07.28
